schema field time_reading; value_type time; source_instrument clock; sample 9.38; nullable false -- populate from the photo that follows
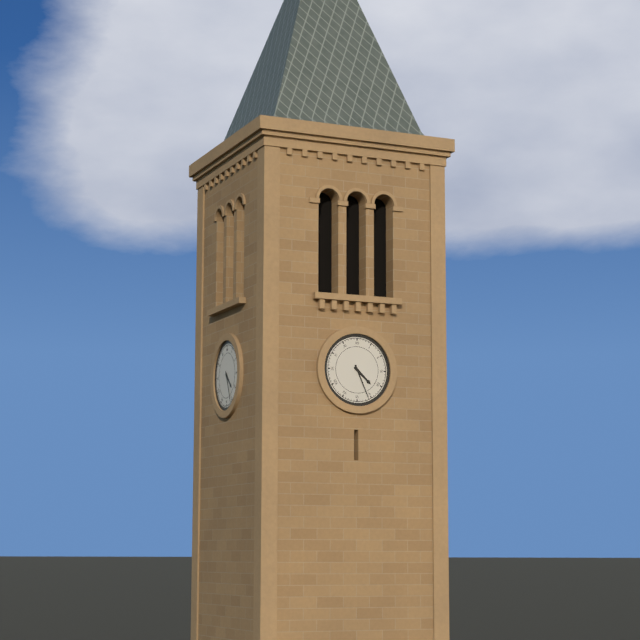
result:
4.26
